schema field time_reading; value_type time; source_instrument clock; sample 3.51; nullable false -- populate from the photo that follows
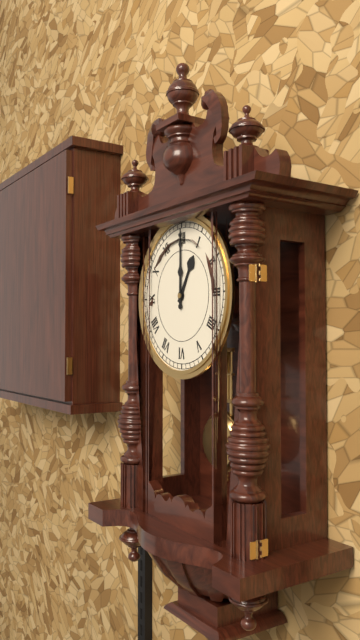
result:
1.00
